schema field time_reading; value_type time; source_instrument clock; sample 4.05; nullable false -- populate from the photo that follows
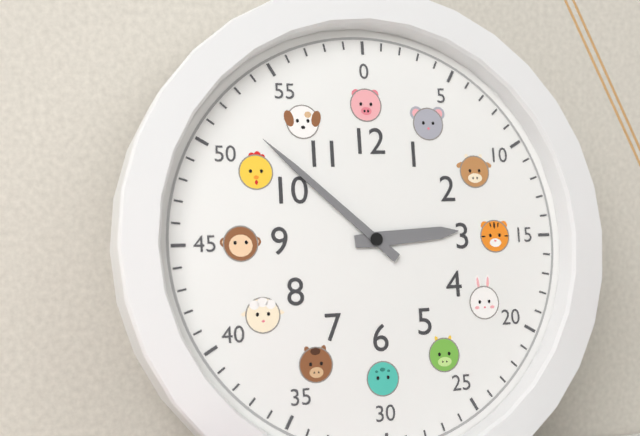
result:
2.52
